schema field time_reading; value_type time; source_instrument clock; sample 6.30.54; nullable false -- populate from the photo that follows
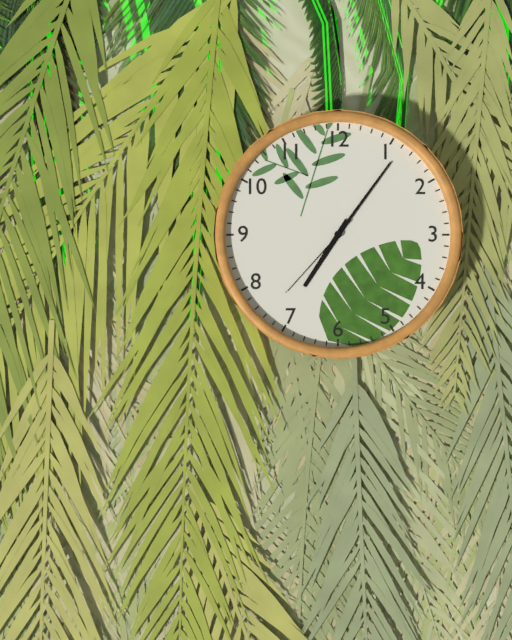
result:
7.06.37
